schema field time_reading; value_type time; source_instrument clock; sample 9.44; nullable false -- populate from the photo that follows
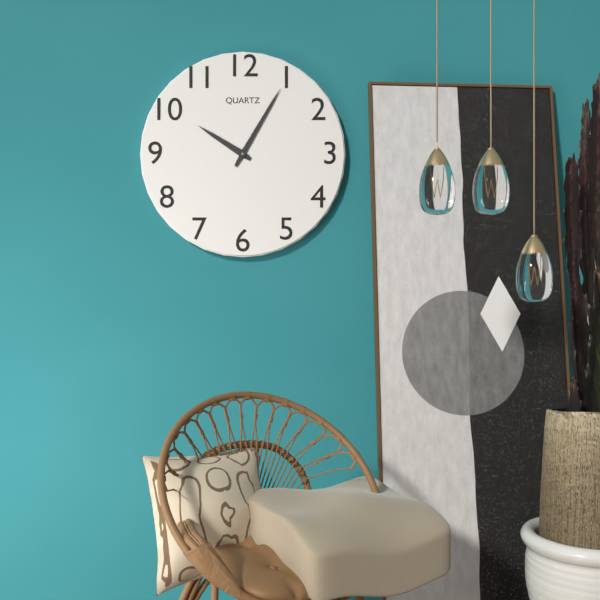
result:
10.05
